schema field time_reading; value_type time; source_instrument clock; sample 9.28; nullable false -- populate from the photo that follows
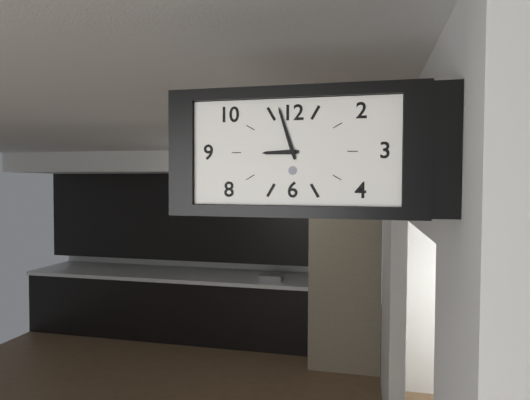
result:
8.57
